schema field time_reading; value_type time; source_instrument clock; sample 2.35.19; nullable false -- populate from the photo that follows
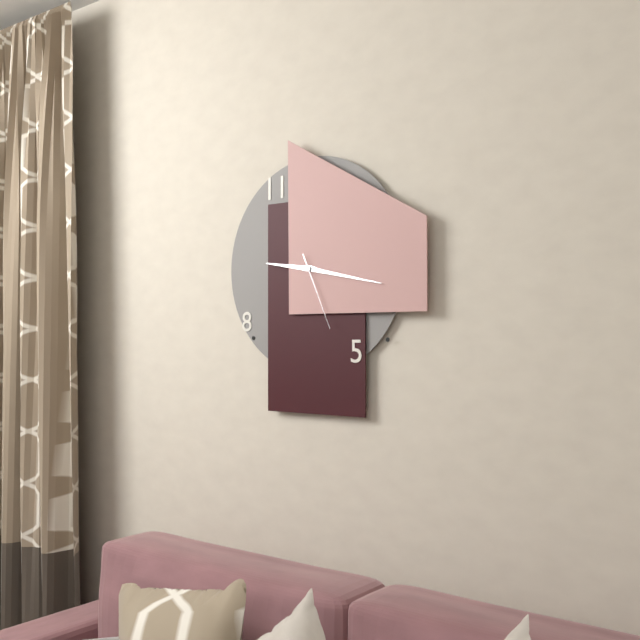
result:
9.17.26
